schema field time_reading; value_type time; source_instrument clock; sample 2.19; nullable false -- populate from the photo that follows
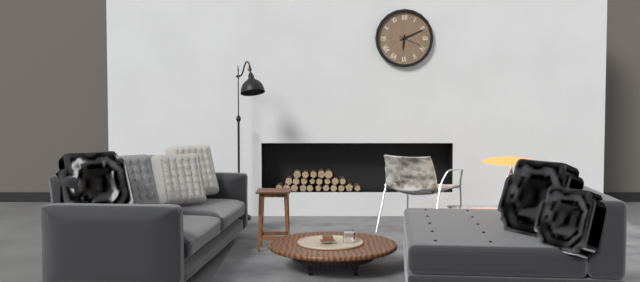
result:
6.11
